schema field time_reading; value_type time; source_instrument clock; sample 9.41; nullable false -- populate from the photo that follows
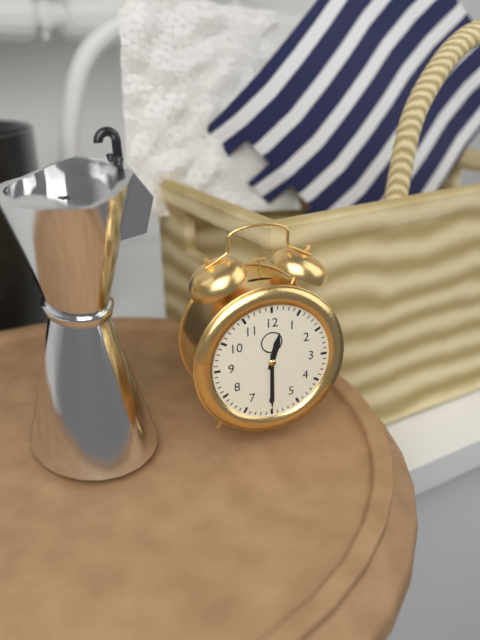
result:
12.30
